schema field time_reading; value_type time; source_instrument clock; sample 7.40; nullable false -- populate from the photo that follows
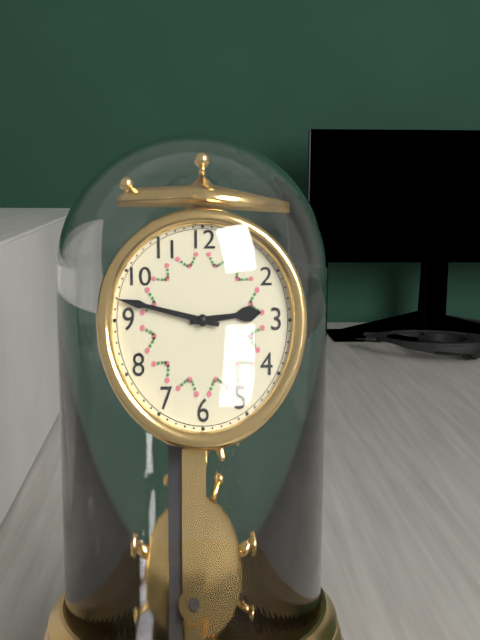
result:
2.47
